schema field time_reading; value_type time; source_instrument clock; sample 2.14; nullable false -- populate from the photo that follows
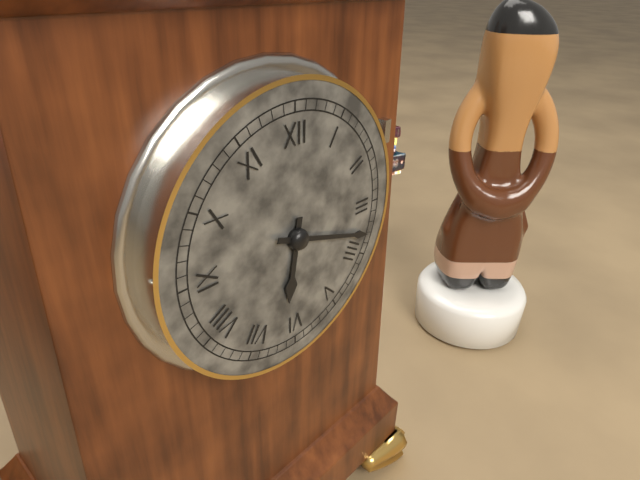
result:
6.18
